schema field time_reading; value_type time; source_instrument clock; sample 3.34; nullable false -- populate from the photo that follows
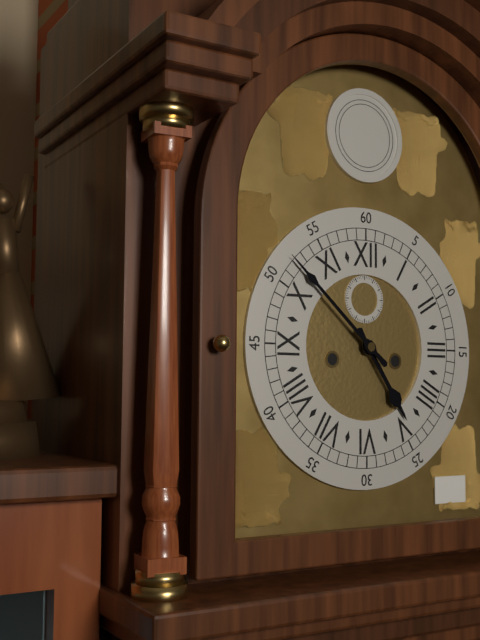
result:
4.52
